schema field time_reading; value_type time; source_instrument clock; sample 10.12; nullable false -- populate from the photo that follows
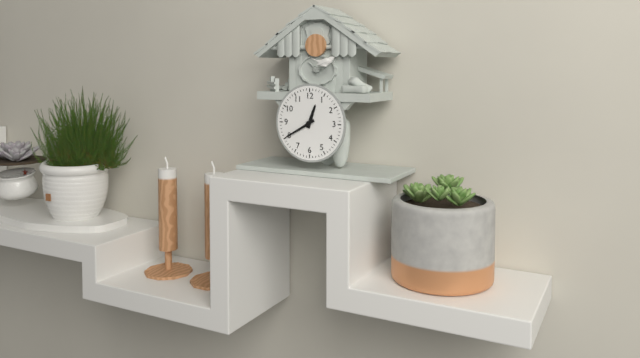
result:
12.40
